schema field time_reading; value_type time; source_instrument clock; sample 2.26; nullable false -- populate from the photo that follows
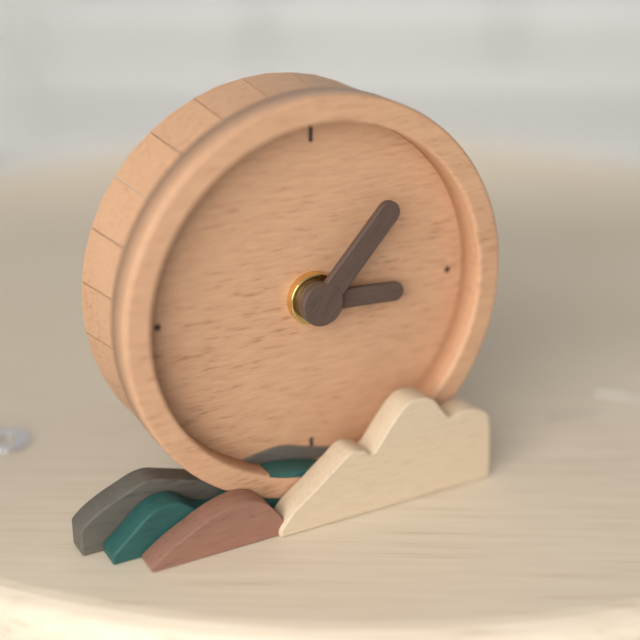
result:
3.07
